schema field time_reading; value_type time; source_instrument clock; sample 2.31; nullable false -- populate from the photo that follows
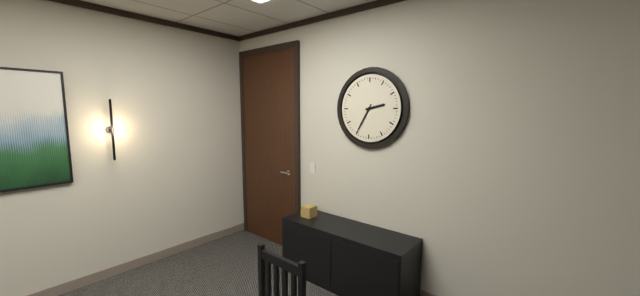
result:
2.35
